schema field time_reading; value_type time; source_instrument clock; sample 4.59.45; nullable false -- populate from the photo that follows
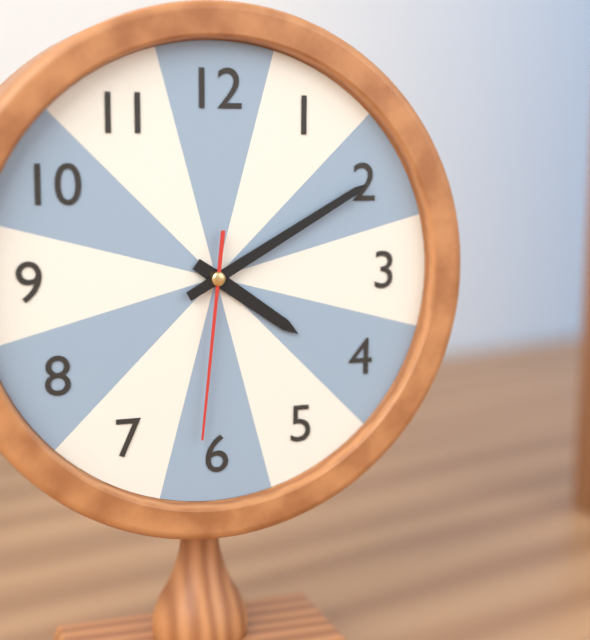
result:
4.10.31
